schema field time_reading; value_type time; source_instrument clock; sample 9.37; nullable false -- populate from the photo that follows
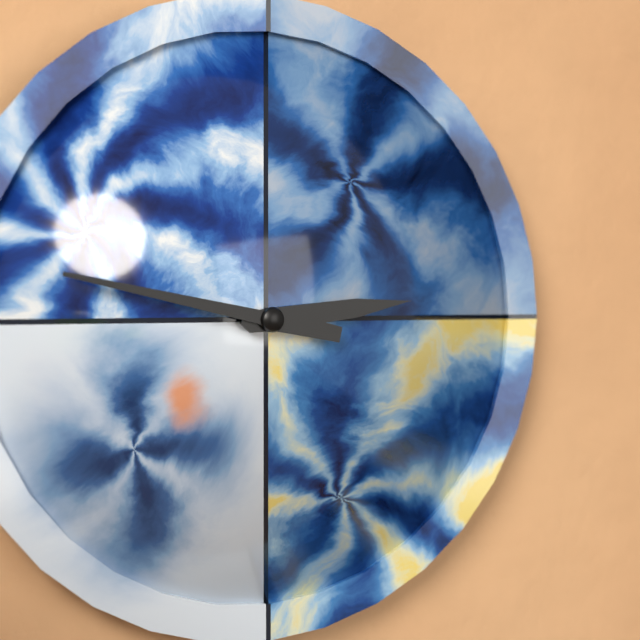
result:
2.47
